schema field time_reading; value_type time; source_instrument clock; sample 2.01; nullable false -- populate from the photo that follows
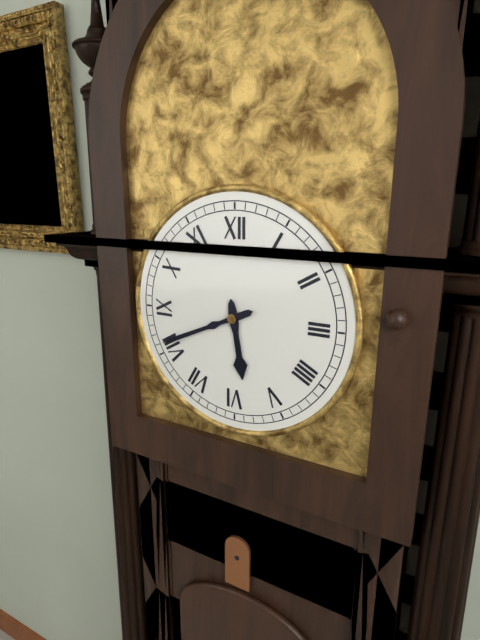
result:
5.41
